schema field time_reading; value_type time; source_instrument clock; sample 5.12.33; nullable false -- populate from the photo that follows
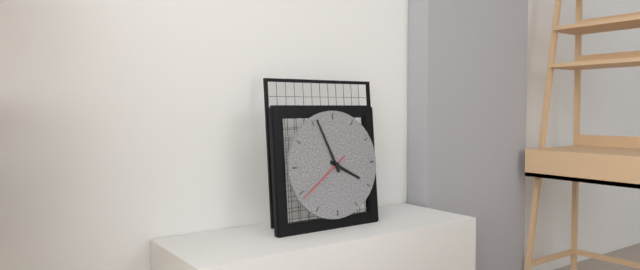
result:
3.56.39
